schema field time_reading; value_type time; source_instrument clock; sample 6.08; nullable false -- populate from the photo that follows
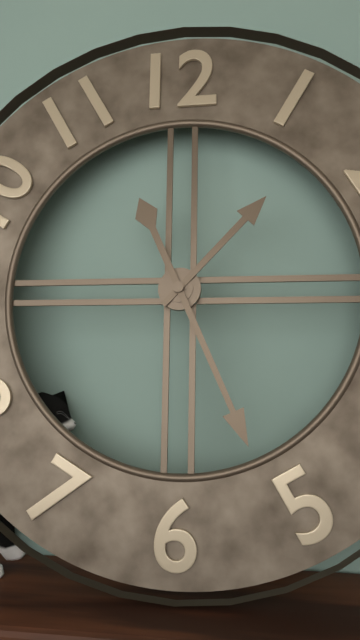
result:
1.26
